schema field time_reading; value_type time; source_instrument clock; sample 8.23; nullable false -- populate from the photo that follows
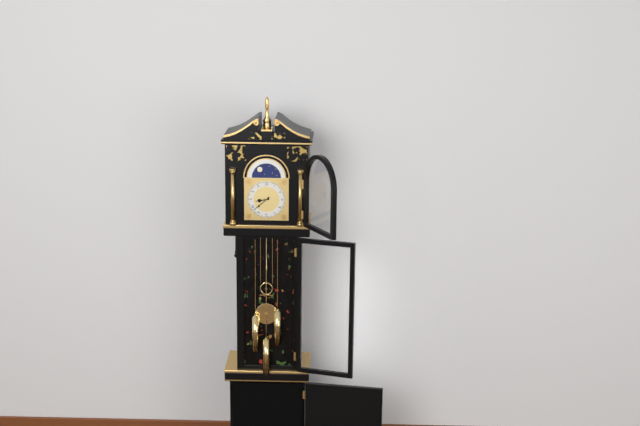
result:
8.38
